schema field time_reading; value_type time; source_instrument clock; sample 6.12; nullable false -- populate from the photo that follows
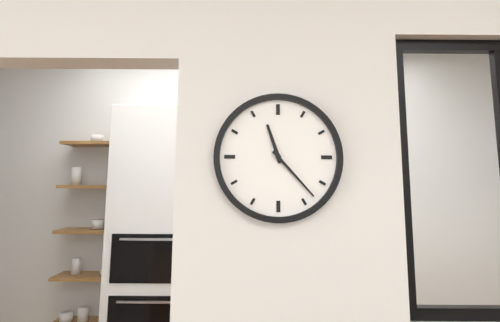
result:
11.23
